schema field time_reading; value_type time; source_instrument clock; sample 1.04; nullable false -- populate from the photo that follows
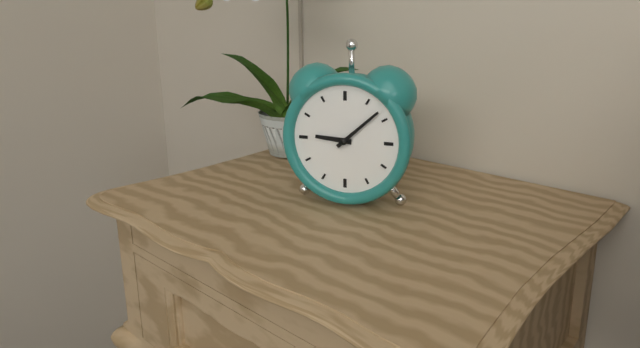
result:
9.08
